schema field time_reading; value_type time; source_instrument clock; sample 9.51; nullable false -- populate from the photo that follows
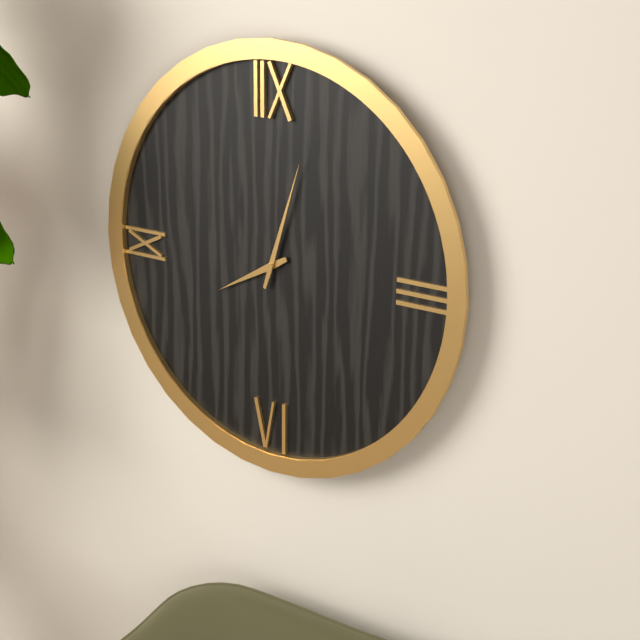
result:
8.03
